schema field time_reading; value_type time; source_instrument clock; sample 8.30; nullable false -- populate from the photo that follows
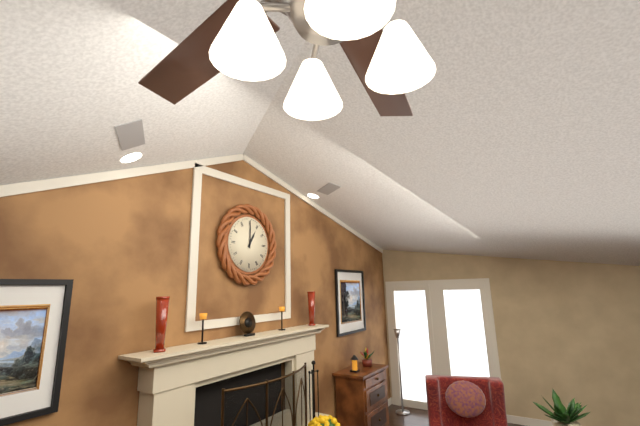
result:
1.00
